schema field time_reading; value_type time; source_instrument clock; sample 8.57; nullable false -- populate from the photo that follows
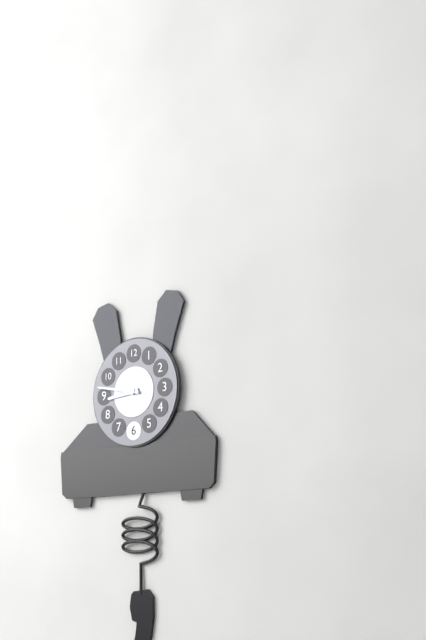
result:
8.47
